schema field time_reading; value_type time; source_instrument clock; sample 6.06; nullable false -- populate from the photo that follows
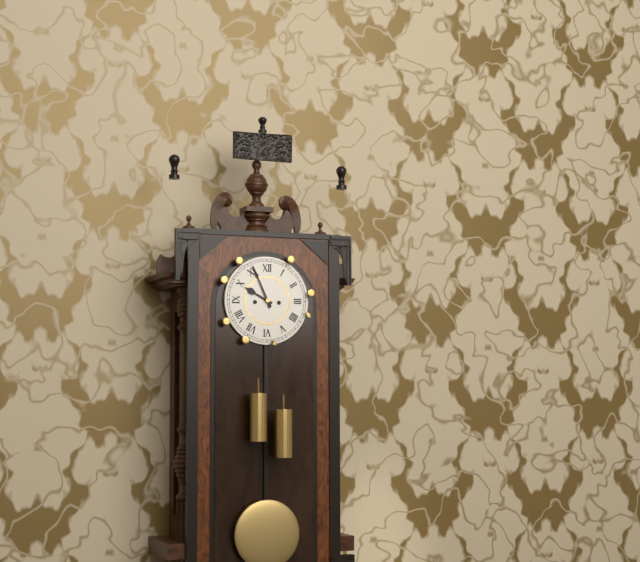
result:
9.56
